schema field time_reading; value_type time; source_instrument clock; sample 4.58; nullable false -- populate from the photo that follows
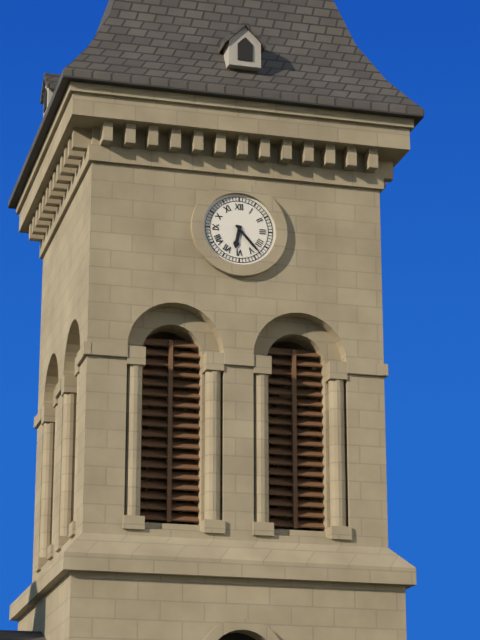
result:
6.23
